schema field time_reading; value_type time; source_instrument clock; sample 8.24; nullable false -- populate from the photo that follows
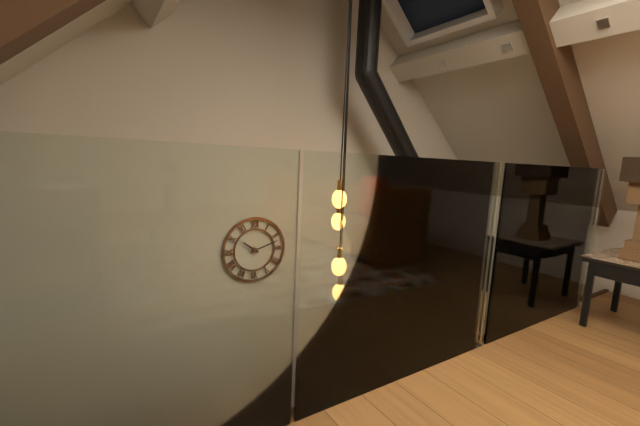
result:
10.12
